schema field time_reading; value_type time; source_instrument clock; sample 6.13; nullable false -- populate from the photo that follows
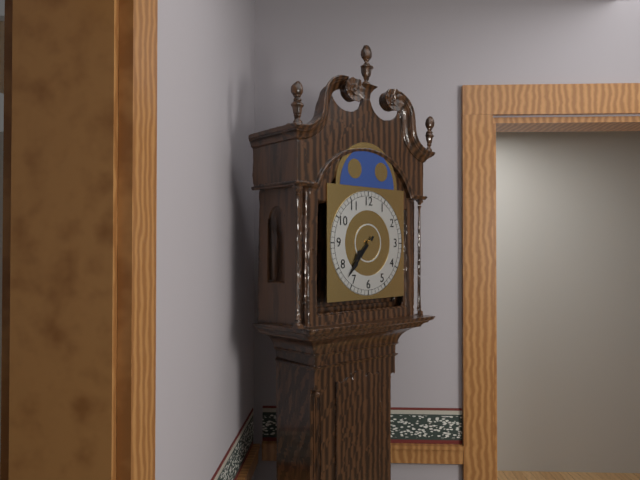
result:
7.37
